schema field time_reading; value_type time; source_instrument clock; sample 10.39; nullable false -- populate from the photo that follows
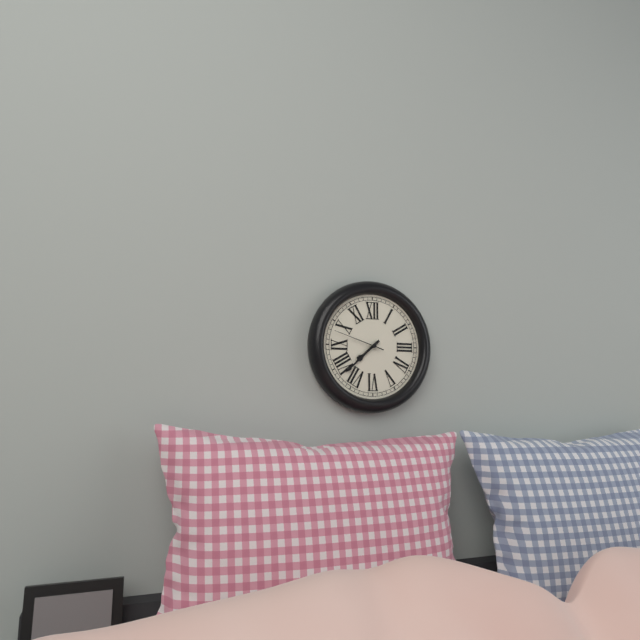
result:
7.38
